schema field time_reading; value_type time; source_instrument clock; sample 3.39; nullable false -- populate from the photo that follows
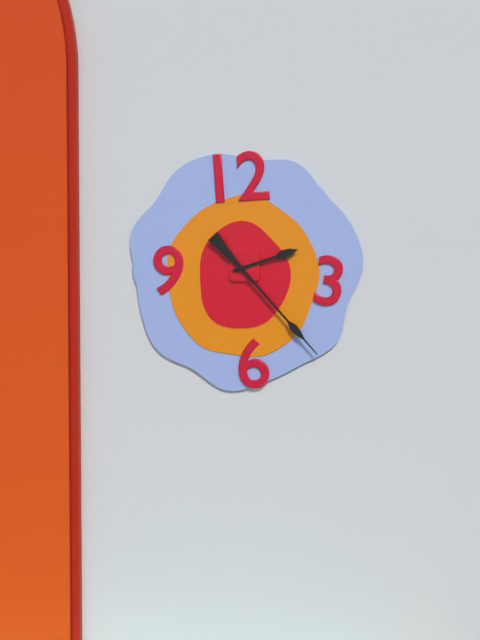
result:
2.23
